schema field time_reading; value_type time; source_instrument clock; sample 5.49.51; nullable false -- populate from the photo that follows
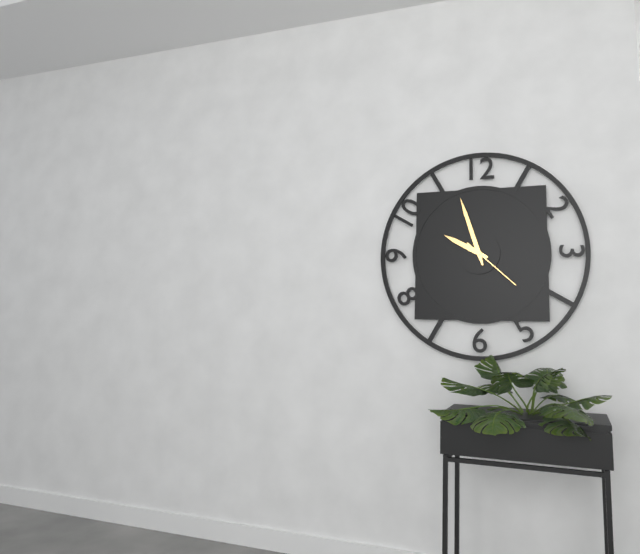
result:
9.57.22
